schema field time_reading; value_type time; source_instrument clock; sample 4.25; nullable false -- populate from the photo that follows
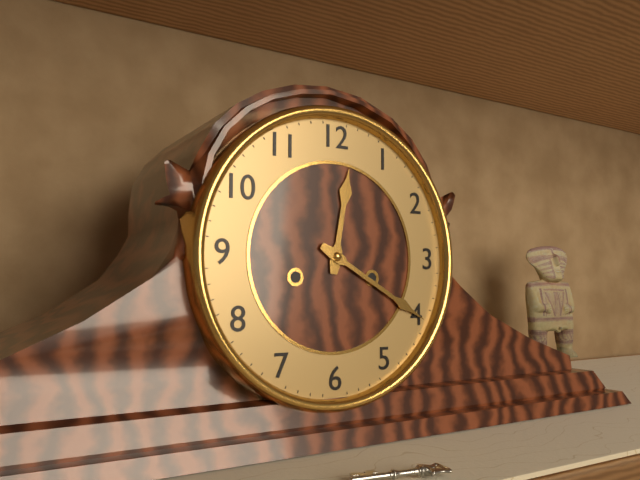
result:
12.20
